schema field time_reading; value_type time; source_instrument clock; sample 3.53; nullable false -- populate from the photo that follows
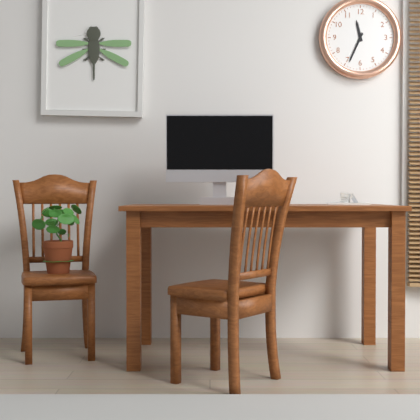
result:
11.34
